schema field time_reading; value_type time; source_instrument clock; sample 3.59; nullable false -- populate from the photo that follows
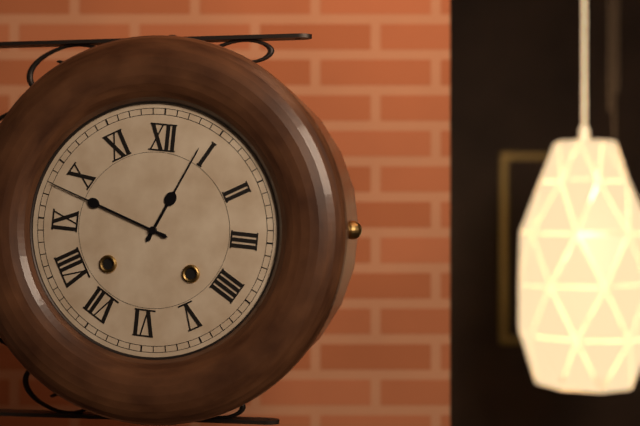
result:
12.48
